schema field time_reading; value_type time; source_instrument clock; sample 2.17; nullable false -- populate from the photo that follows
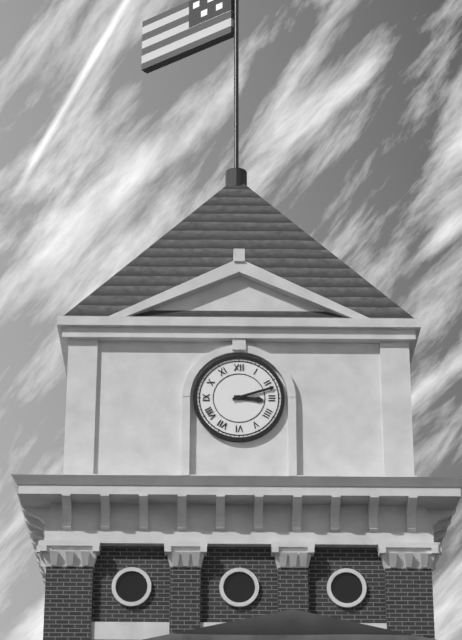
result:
3.12
